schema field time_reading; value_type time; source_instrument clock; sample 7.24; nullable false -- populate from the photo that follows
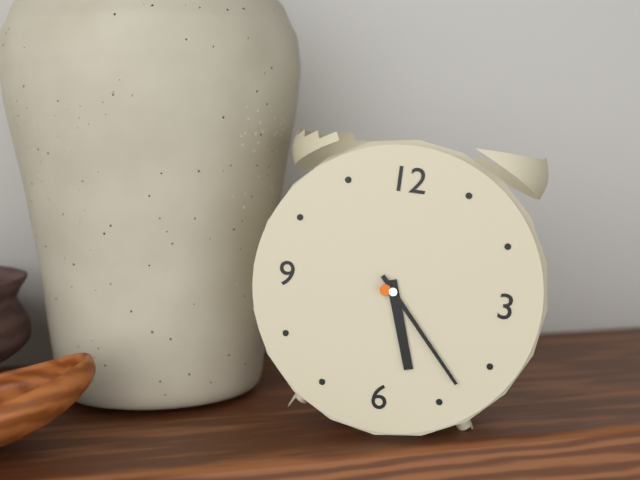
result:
5.23
